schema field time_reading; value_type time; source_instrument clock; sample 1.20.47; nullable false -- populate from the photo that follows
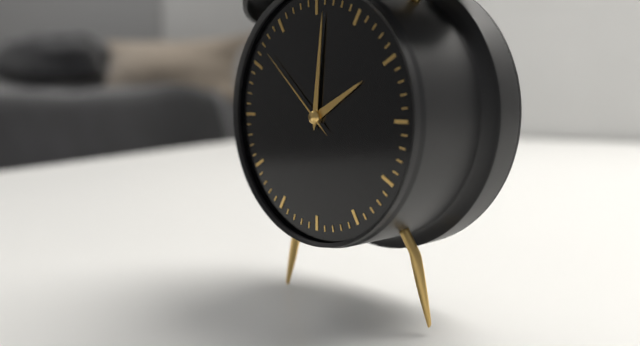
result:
2.01.52
